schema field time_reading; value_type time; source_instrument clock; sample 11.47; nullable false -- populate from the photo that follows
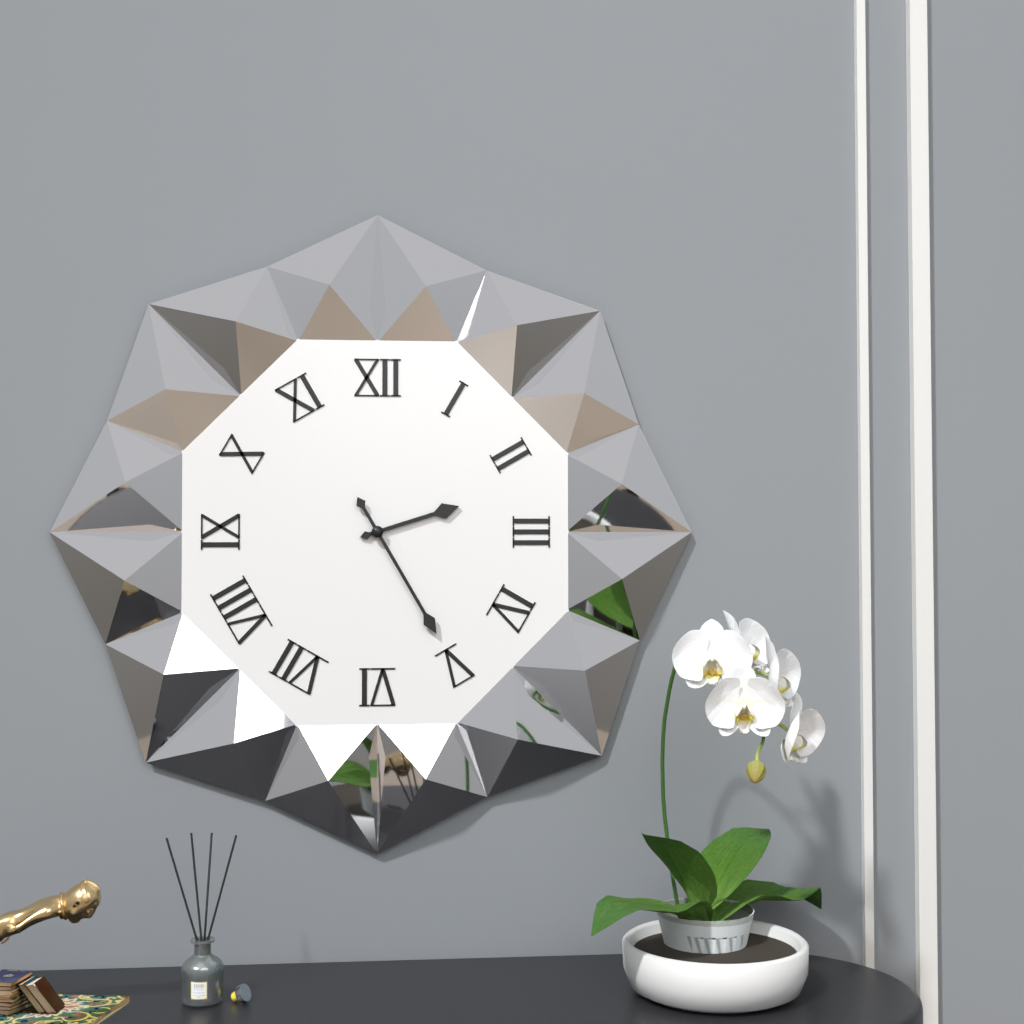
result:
2.25
